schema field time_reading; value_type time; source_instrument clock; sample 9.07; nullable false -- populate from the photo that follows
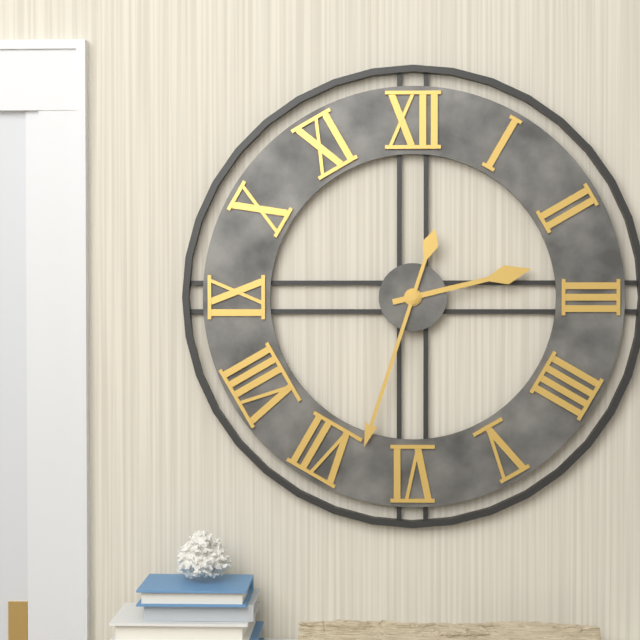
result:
2.33
